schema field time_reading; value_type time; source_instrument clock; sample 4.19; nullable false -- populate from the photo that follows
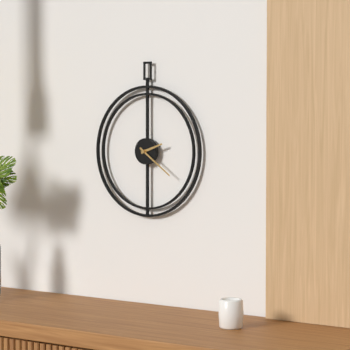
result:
2.21
